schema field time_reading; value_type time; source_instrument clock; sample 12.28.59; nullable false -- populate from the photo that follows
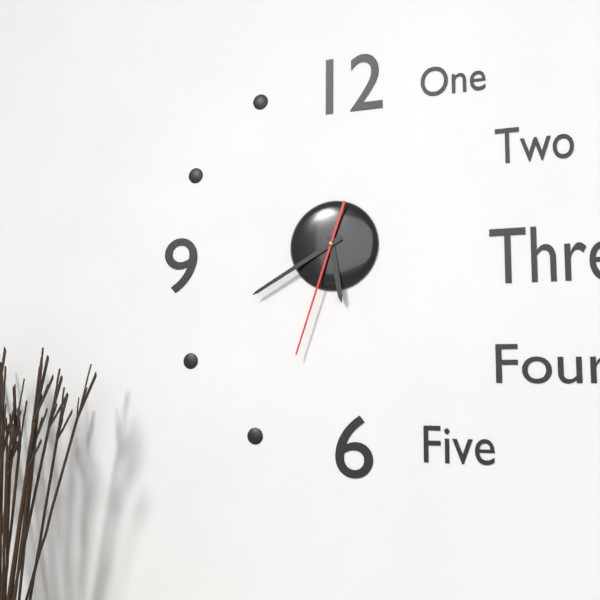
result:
5.40.33
